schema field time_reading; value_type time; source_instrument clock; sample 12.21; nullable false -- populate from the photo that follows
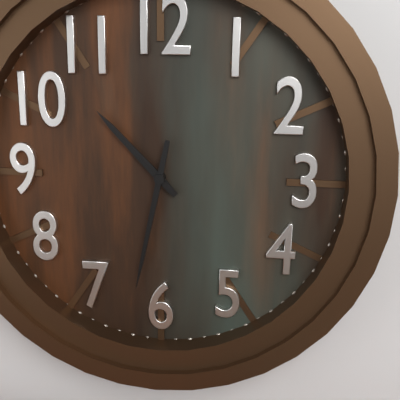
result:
10.32
